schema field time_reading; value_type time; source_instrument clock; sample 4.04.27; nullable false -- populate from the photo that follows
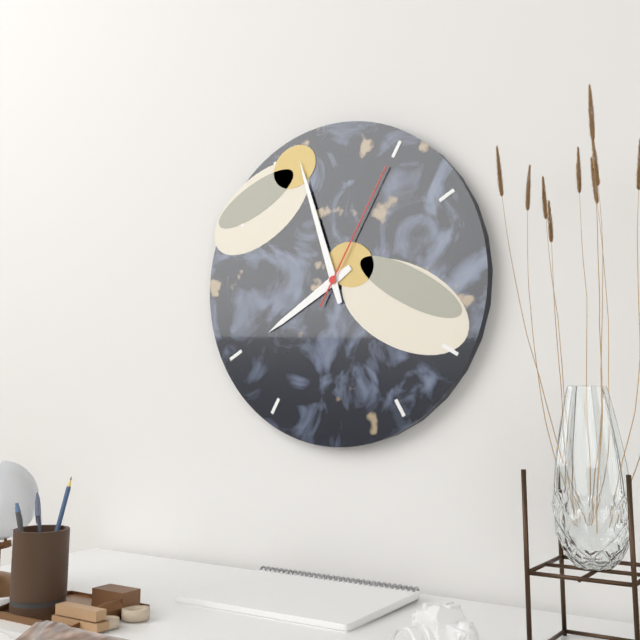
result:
7.57.05
